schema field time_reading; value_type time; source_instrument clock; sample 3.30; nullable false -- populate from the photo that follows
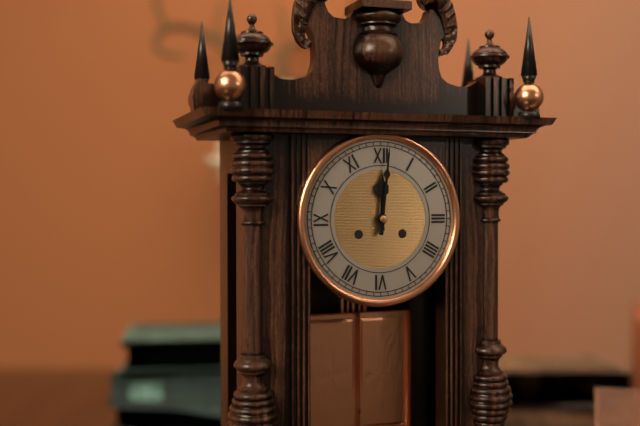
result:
12.01
